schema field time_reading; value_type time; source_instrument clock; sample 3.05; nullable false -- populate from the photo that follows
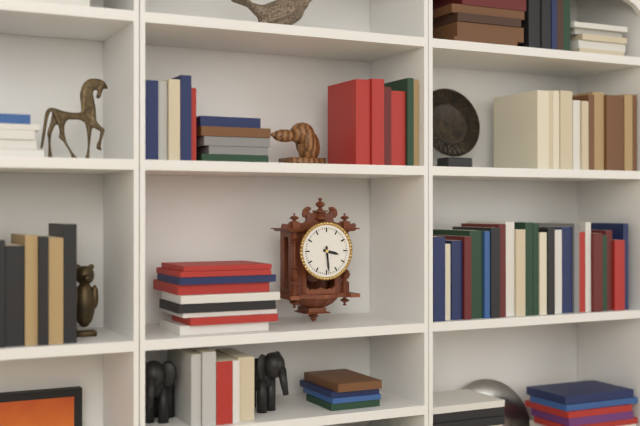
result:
3.29
